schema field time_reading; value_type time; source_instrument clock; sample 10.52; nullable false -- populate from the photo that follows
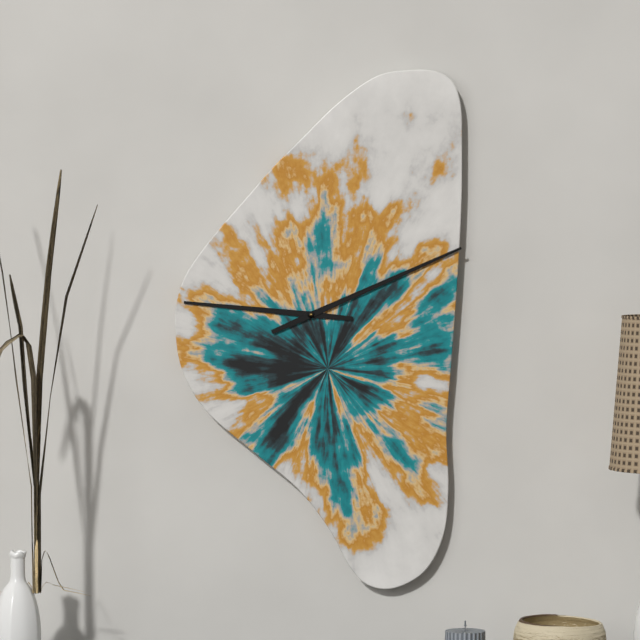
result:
9.11
